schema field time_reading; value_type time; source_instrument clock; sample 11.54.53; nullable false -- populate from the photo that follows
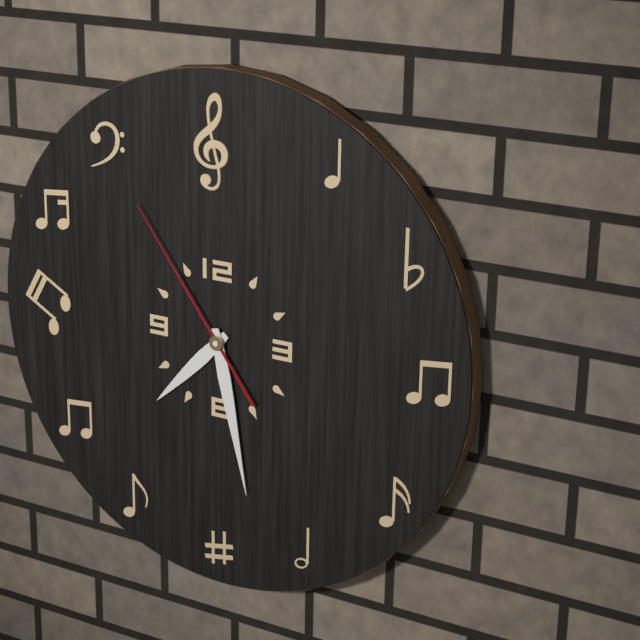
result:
7.28.54
